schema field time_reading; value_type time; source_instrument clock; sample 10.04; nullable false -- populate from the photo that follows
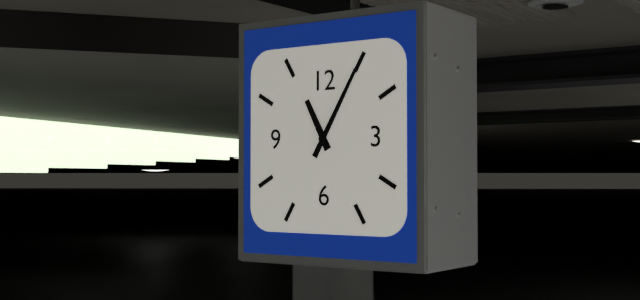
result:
11.05
